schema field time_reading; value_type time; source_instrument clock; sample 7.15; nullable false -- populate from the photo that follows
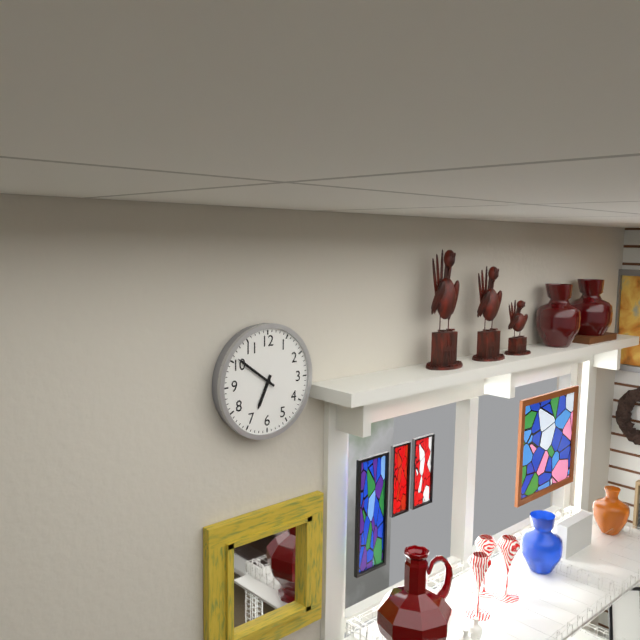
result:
6.51
